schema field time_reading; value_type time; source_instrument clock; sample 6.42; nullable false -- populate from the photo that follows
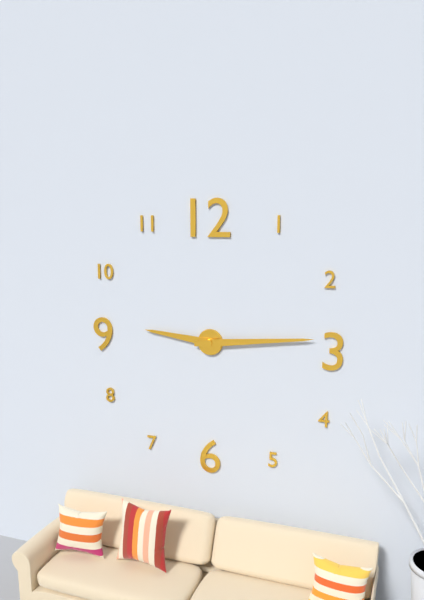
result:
9.14
